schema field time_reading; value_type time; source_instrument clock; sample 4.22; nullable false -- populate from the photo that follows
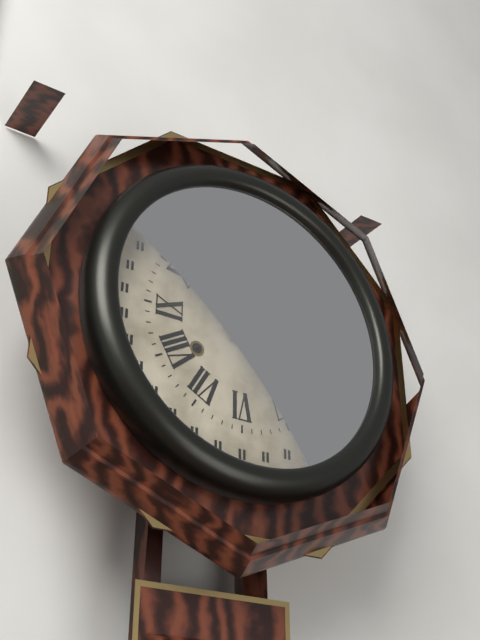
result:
12.10
